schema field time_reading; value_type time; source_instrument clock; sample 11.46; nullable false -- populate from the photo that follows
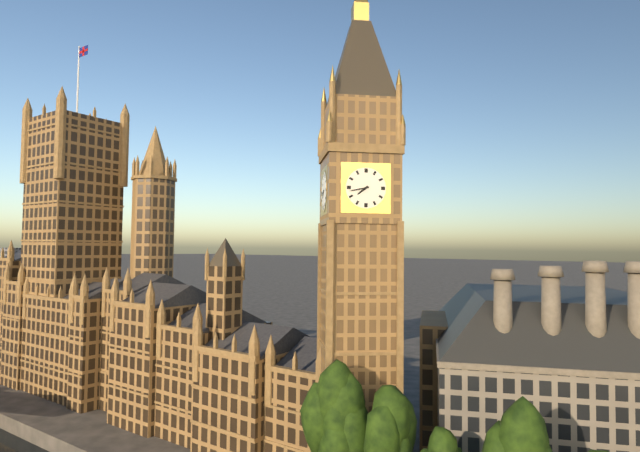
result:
7.43
